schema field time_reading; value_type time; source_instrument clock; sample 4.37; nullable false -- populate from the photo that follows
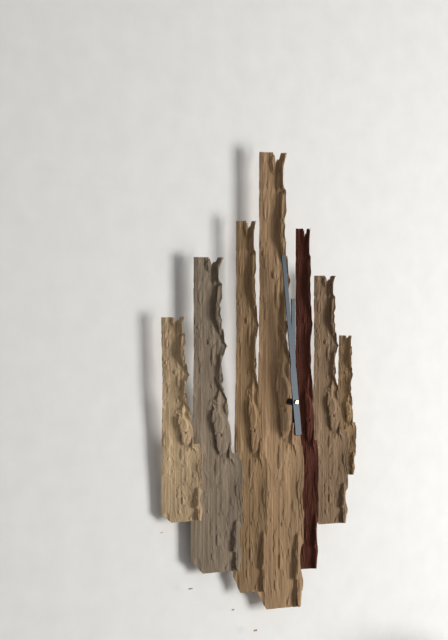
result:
11.59
